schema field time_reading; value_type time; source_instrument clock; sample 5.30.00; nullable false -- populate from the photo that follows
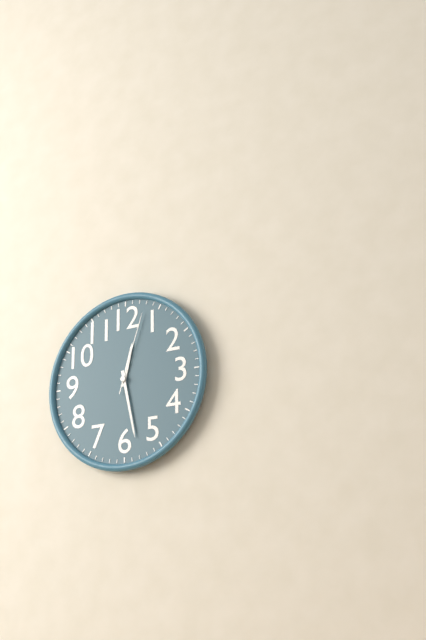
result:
12.28.03
